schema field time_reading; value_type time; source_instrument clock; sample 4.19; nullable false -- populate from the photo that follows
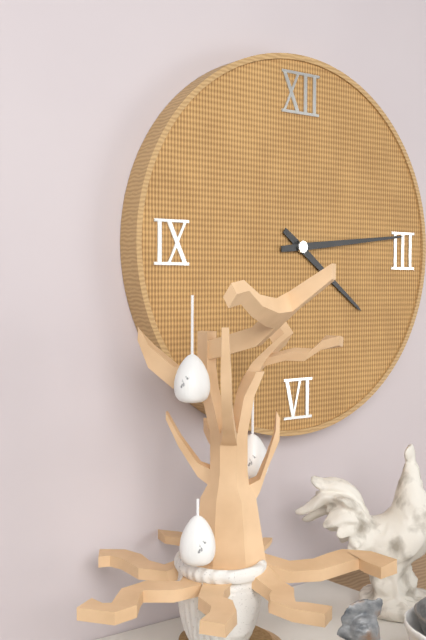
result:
4.14
